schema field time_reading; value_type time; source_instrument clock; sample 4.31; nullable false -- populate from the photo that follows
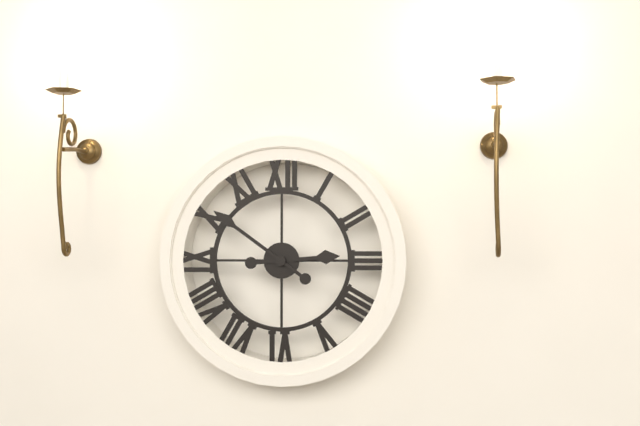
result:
2.51
